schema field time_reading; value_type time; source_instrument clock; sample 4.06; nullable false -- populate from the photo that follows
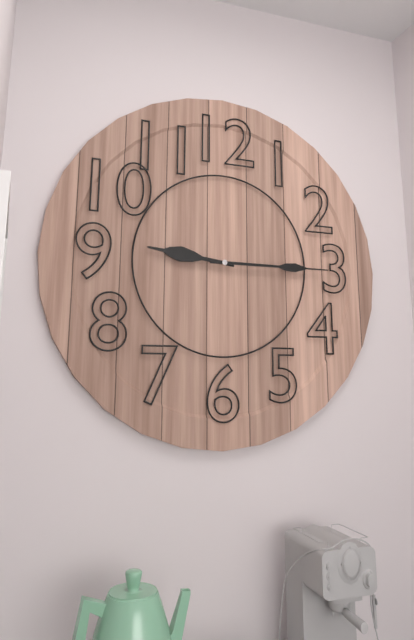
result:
9.15
